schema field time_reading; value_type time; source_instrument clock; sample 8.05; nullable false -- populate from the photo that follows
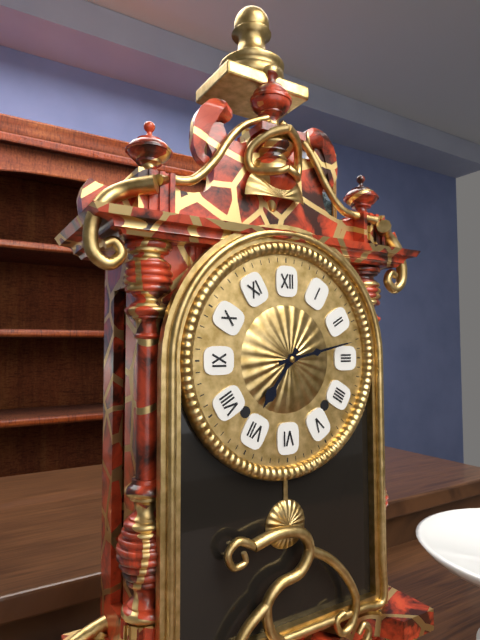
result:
7.13
